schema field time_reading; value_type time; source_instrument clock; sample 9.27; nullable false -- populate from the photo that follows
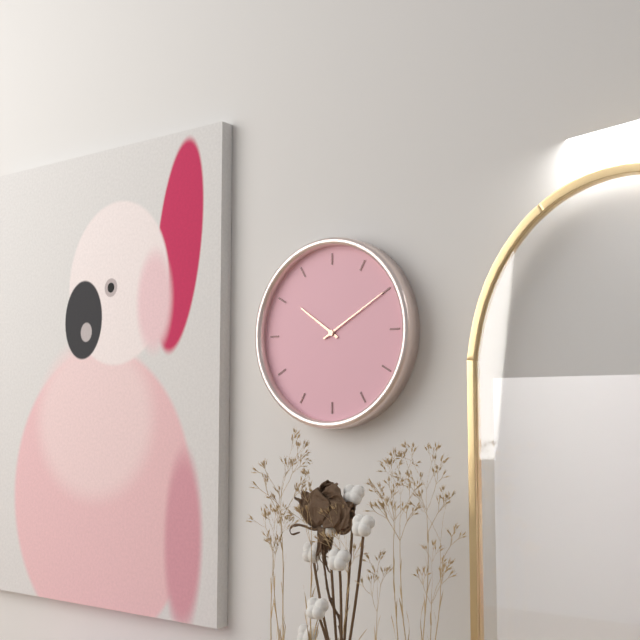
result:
10.10
